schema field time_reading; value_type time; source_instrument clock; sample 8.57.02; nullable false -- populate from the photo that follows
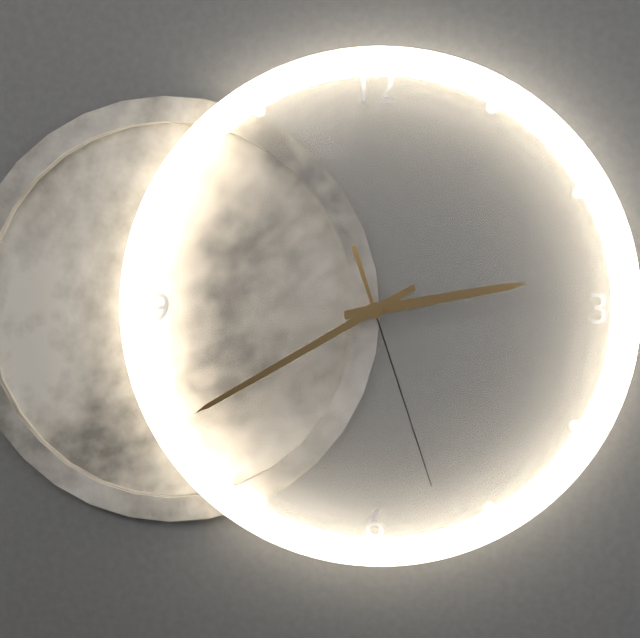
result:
2.40.27
